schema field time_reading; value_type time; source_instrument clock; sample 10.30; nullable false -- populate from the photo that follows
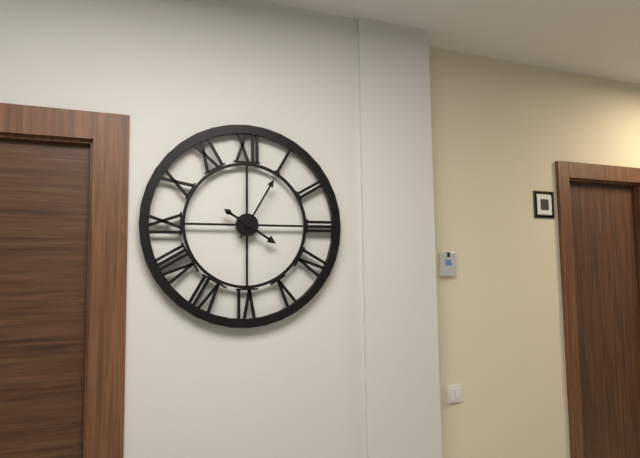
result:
4.05
